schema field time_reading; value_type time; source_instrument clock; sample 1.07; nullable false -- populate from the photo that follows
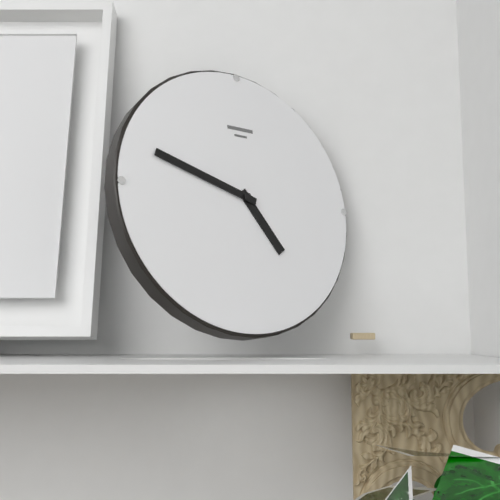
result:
4.48
